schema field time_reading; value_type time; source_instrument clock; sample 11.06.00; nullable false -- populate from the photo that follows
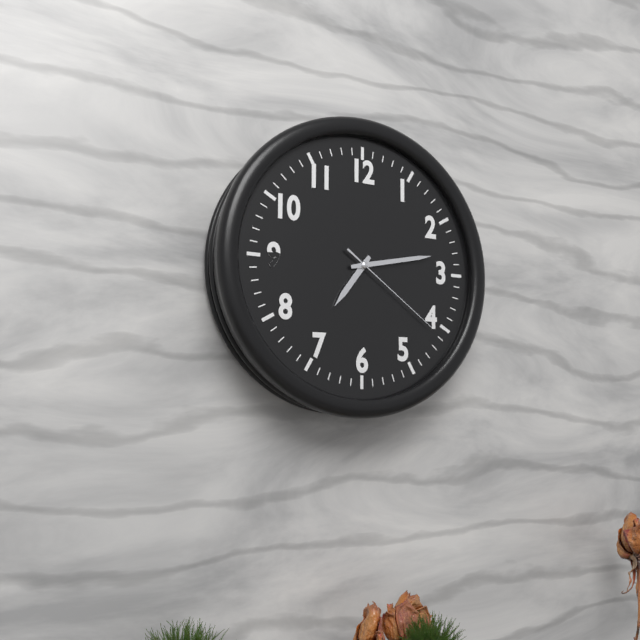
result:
7.13.21
